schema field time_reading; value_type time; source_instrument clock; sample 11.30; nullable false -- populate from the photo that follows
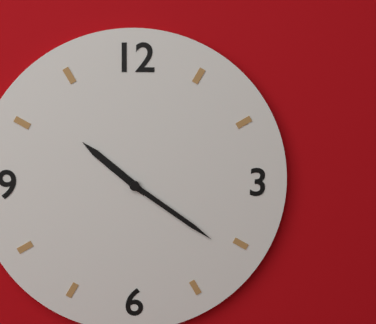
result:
10.21
